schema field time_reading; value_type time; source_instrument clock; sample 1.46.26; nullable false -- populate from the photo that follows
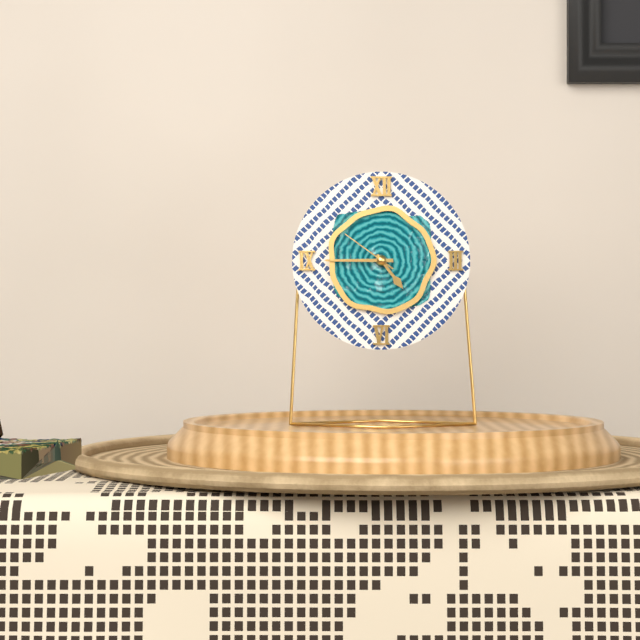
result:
4.45.51
